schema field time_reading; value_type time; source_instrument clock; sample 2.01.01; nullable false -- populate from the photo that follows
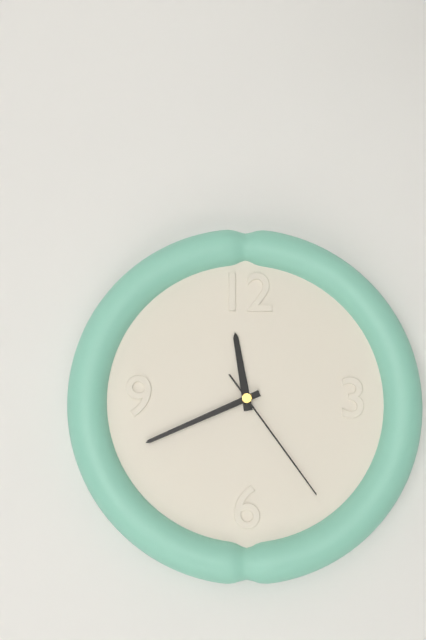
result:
11.41.24
